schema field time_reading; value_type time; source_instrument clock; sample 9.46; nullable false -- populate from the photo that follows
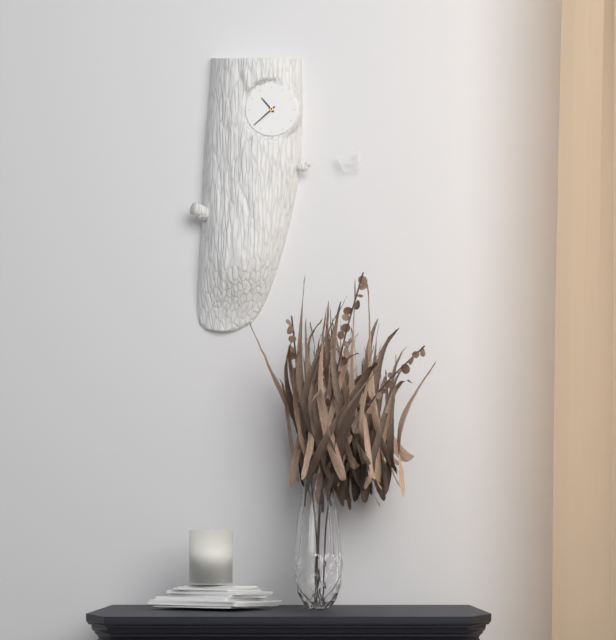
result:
10.38
